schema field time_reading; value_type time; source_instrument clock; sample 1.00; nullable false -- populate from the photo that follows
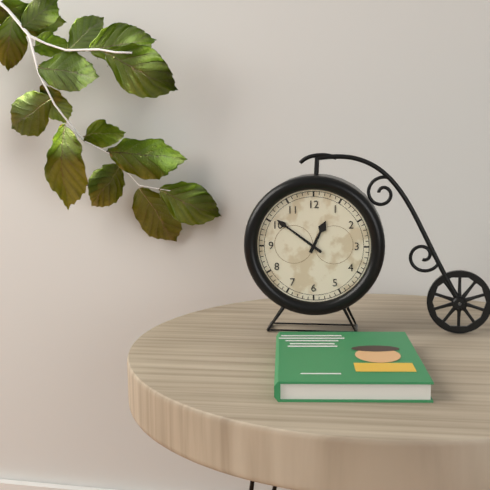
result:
12.51
